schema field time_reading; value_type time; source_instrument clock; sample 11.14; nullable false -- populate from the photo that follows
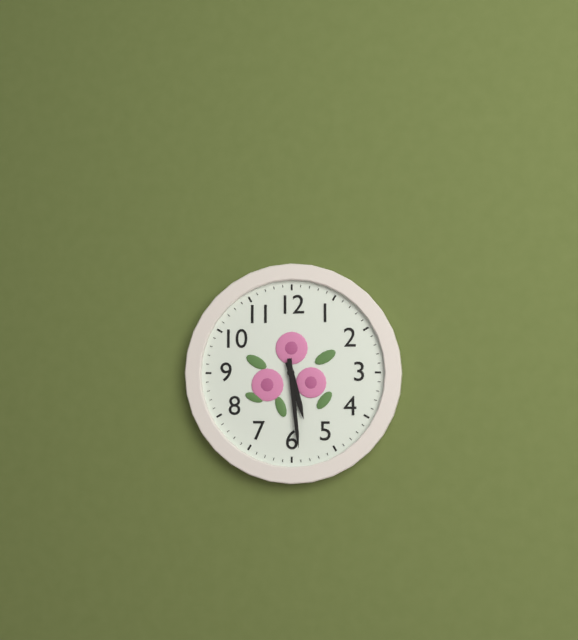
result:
5.29
